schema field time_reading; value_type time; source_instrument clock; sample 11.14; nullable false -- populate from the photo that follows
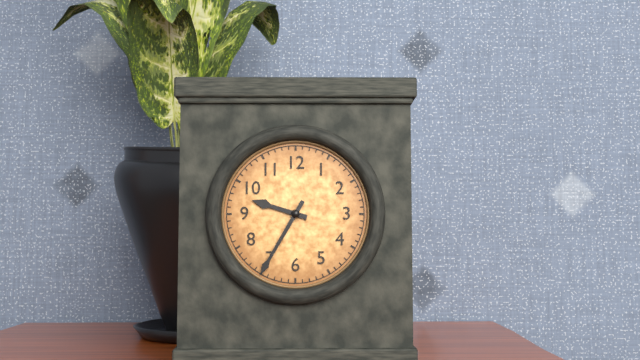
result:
9.35
